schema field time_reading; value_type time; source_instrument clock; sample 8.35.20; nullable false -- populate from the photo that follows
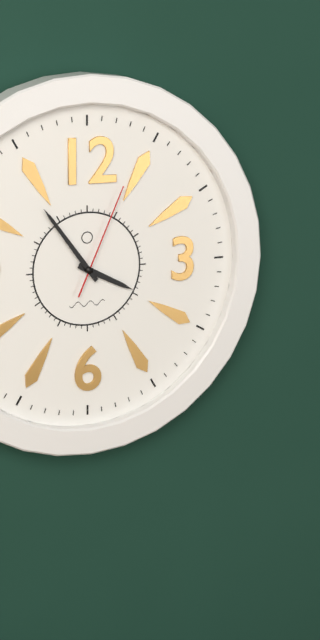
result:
3.54.04
